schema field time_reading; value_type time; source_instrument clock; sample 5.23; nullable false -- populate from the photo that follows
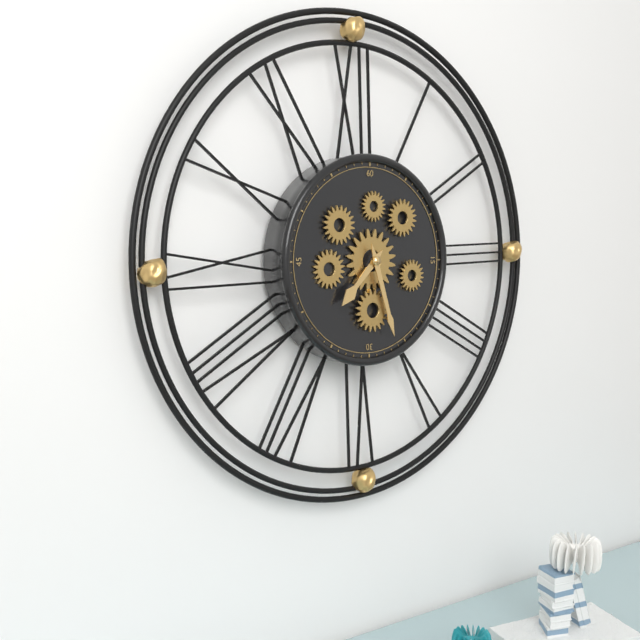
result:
7.27
